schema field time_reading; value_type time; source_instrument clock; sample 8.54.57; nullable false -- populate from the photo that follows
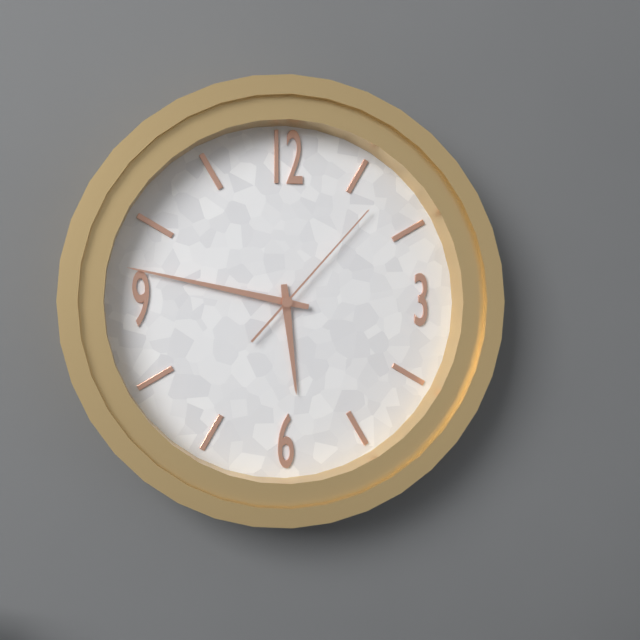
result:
5.47.07
